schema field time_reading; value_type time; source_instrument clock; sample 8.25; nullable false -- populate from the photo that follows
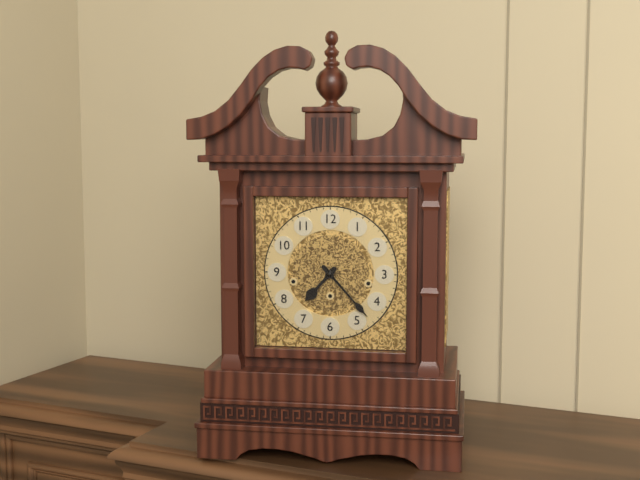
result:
7.23
